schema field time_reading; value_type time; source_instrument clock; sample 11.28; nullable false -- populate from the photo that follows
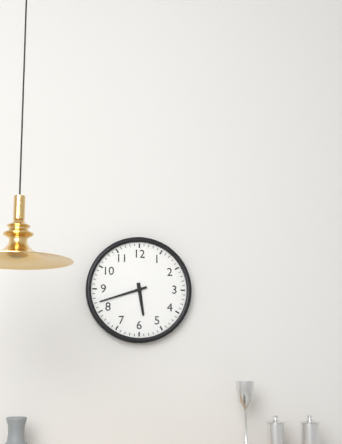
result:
5.42
